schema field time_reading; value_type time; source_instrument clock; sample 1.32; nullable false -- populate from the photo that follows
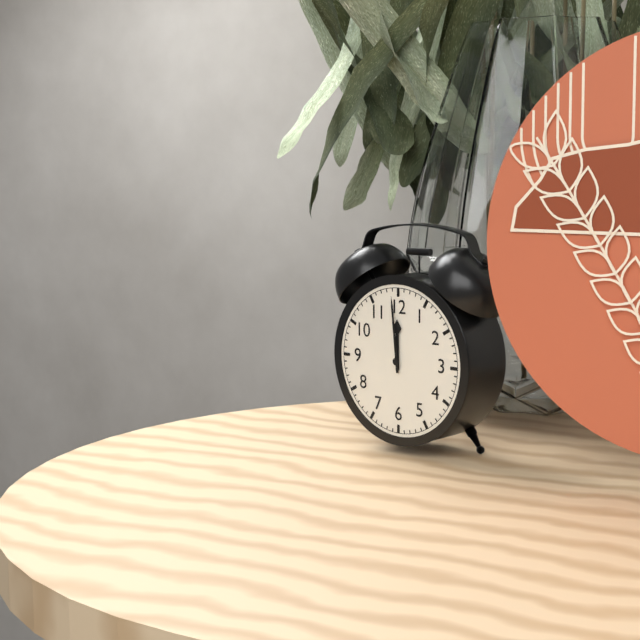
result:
11.59
